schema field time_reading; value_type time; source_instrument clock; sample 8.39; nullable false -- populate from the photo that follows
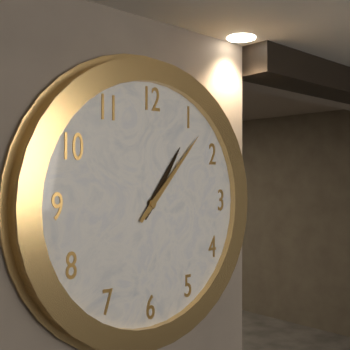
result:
1.07
